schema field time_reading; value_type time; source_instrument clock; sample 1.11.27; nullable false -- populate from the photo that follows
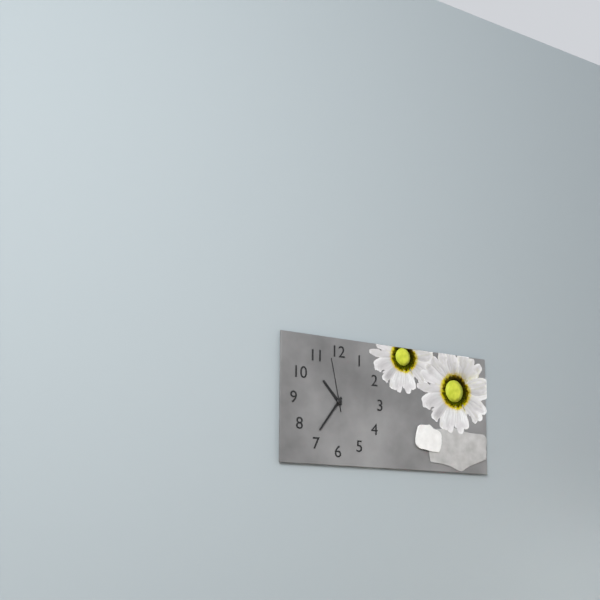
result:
10.36.58
